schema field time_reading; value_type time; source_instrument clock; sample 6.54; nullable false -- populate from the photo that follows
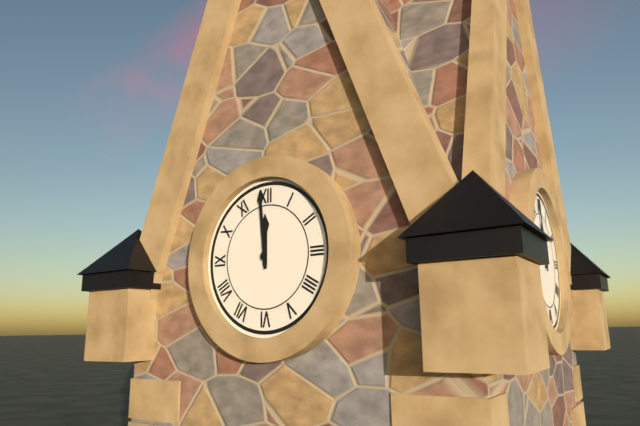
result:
11.59
